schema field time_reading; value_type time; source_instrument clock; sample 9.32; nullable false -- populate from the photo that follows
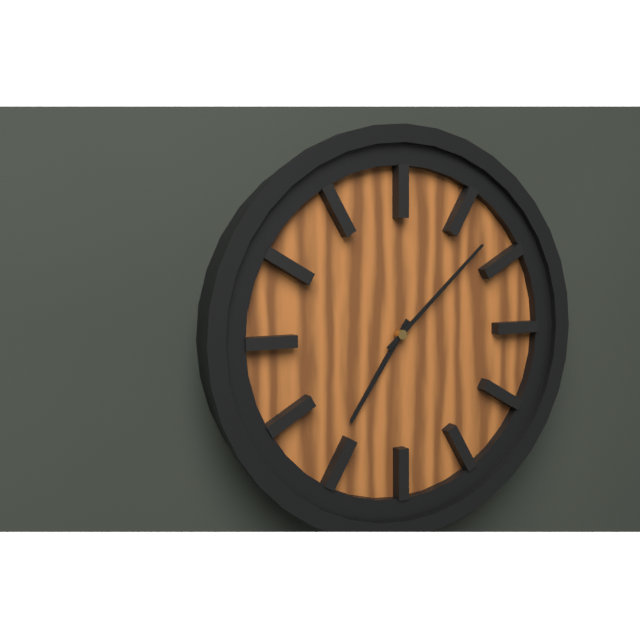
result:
7.08
